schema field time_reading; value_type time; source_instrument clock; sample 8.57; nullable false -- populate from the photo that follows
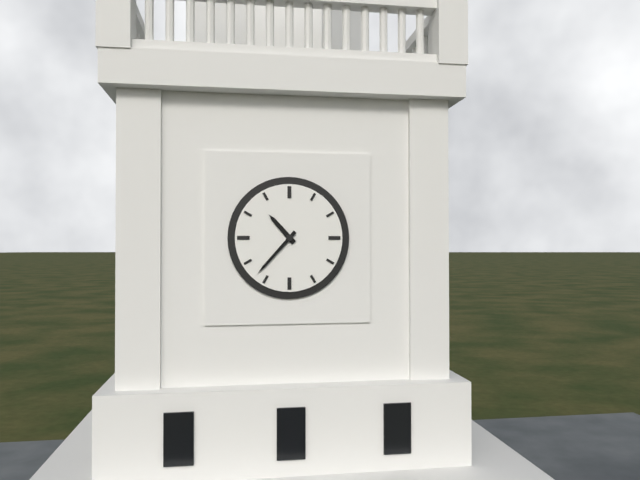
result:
10.37
